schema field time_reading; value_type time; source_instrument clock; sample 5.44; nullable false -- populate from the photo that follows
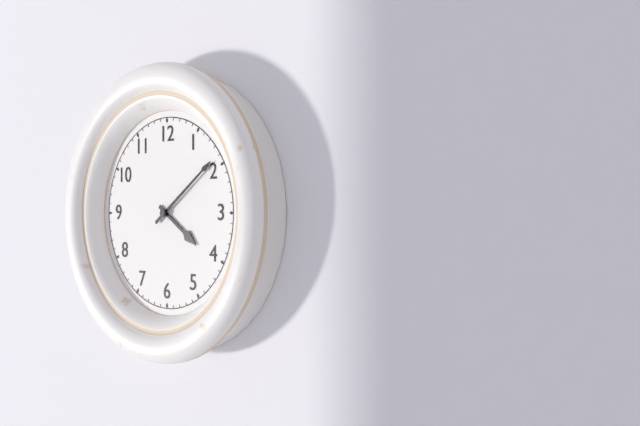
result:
4.09
